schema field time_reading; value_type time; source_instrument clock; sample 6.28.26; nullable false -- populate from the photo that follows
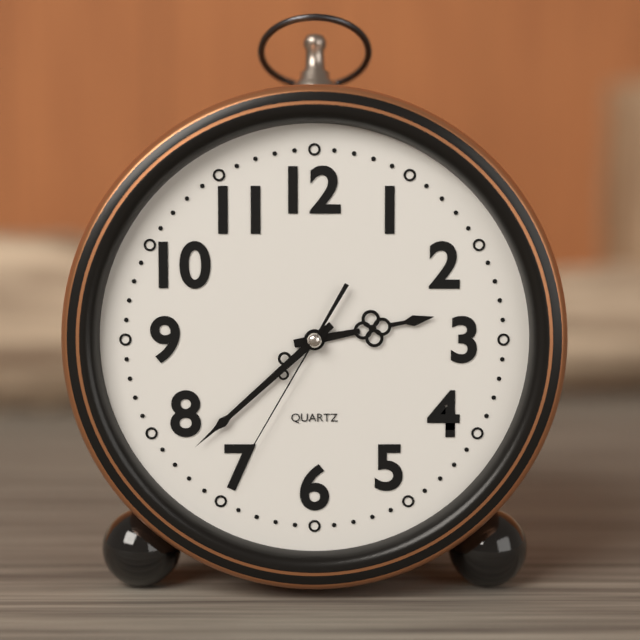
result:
2.38.35
